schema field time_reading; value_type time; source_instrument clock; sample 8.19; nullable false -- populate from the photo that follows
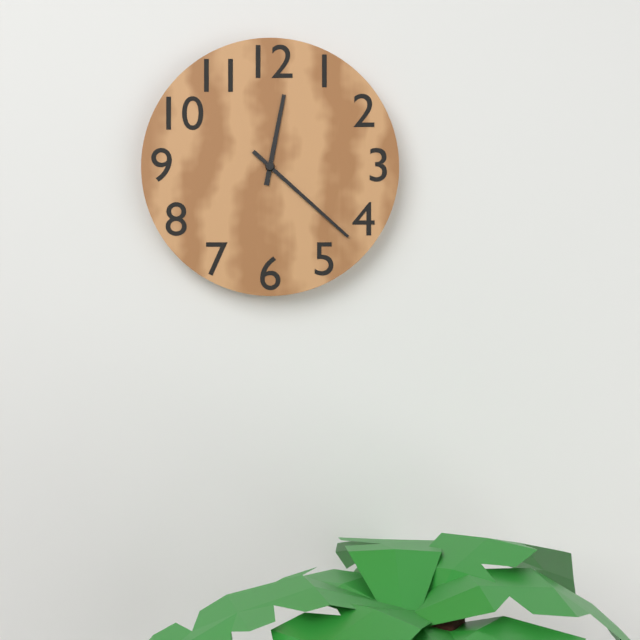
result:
12.22
